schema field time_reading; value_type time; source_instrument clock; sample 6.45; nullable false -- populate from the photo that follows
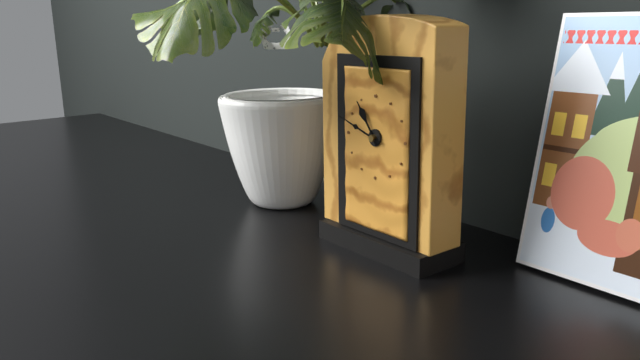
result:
10.48
